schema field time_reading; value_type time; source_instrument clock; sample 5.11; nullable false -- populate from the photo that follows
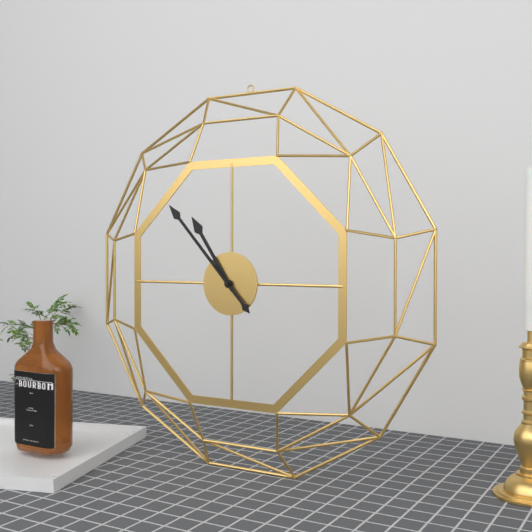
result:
10.53
